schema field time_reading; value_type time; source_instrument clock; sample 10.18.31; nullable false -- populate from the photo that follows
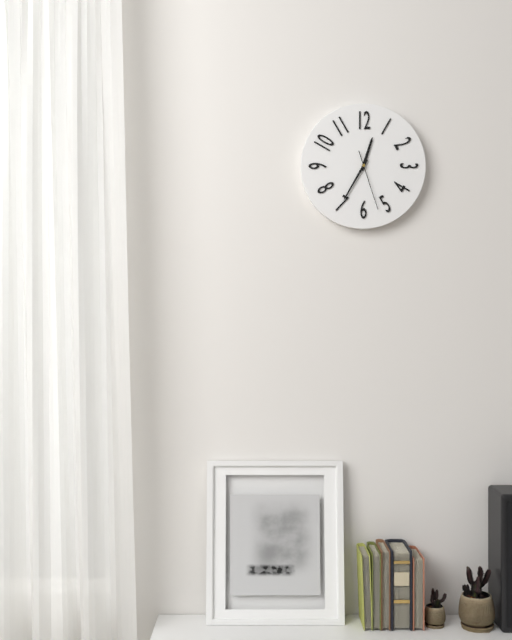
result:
12.35.27
